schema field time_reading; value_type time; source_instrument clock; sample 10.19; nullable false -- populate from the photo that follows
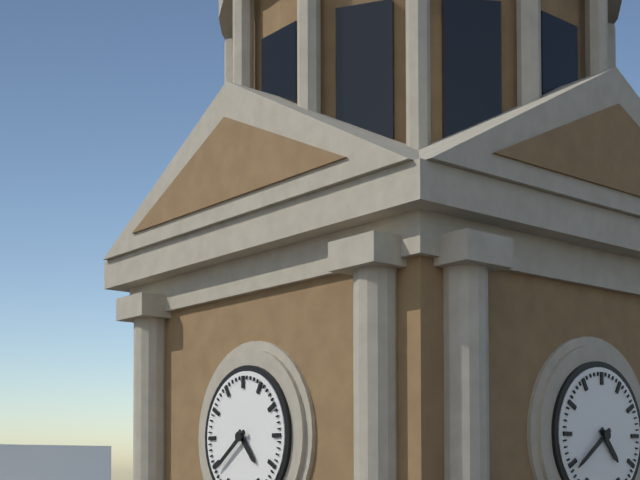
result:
4.39
